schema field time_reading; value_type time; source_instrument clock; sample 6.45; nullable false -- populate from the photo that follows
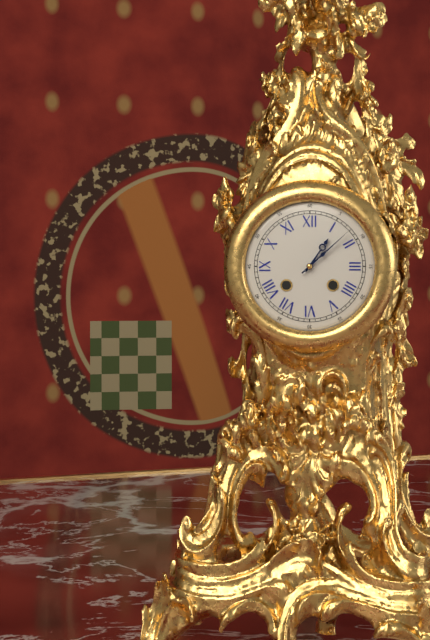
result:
1.08
